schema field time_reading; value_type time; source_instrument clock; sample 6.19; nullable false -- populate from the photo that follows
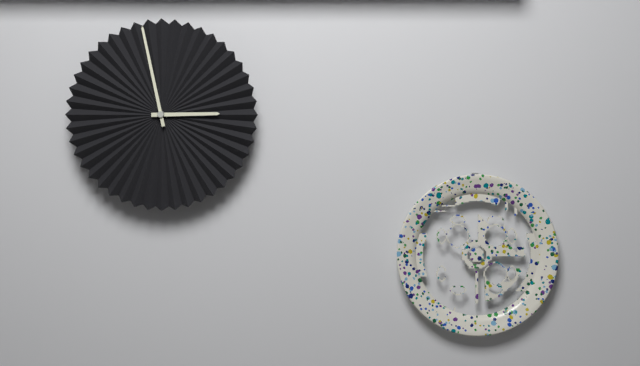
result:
2.58
